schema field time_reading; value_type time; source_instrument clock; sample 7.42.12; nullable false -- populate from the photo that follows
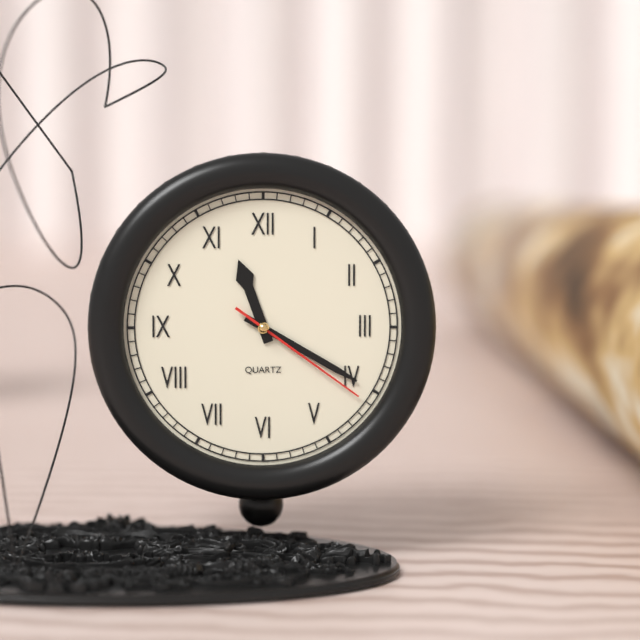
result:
11.20.21
